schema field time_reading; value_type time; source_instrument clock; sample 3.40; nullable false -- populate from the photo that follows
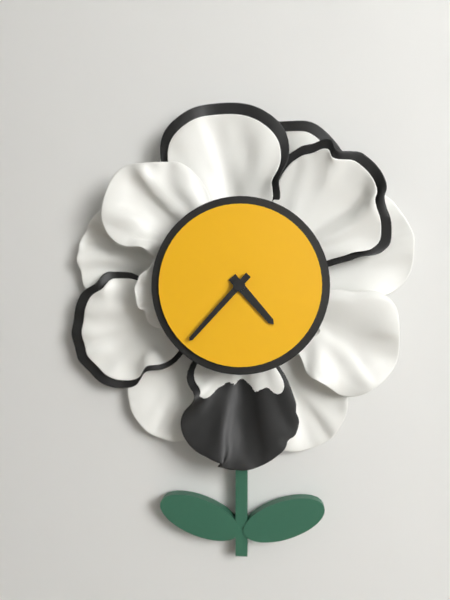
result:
4.37
